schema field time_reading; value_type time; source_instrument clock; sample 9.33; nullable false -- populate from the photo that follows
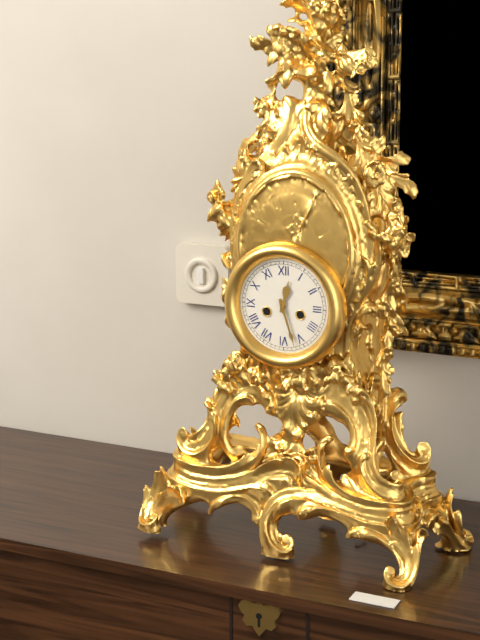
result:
12.27
